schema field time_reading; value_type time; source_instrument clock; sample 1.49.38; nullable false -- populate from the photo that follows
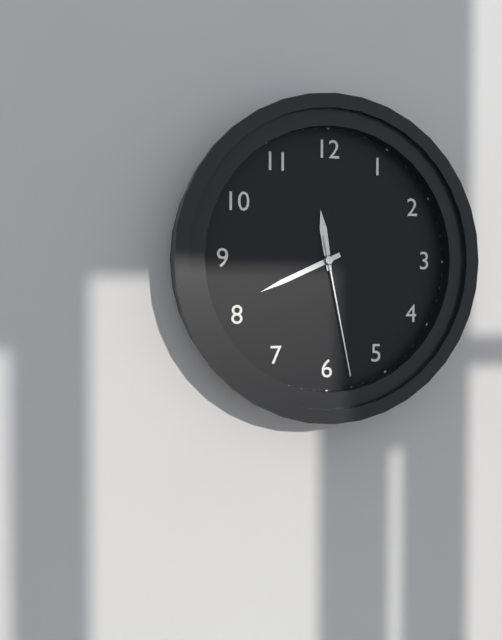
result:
11.41.28
